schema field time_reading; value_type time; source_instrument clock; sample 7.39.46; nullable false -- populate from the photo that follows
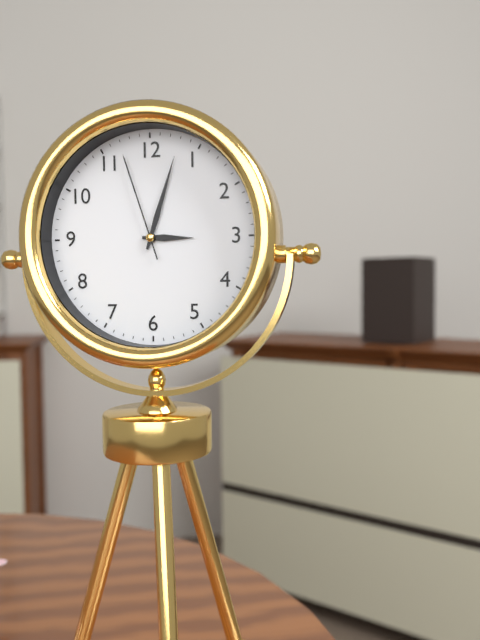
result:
3.03.57
